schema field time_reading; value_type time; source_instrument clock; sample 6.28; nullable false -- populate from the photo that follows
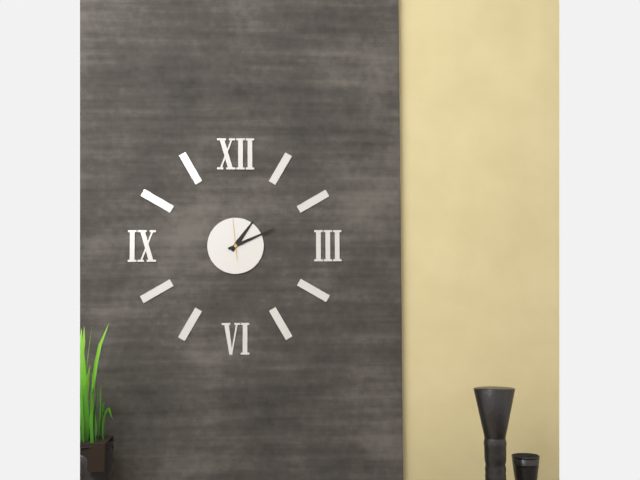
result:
1.11
